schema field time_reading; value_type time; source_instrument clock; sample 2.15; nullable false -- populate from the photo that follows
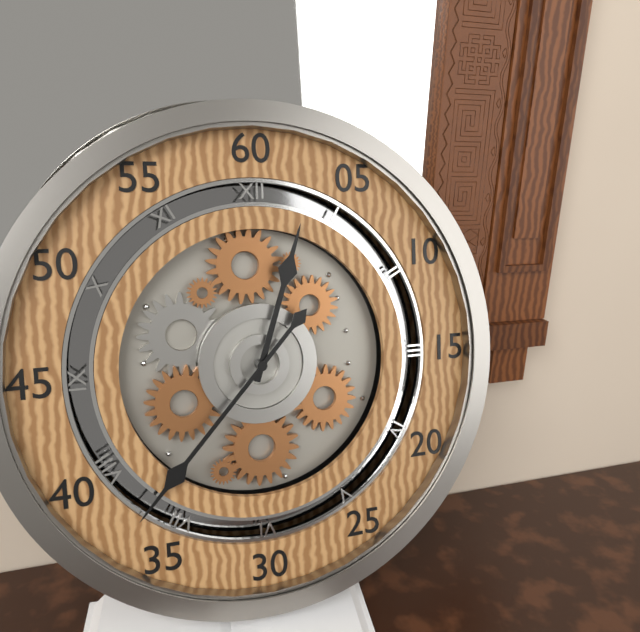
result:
12.37
